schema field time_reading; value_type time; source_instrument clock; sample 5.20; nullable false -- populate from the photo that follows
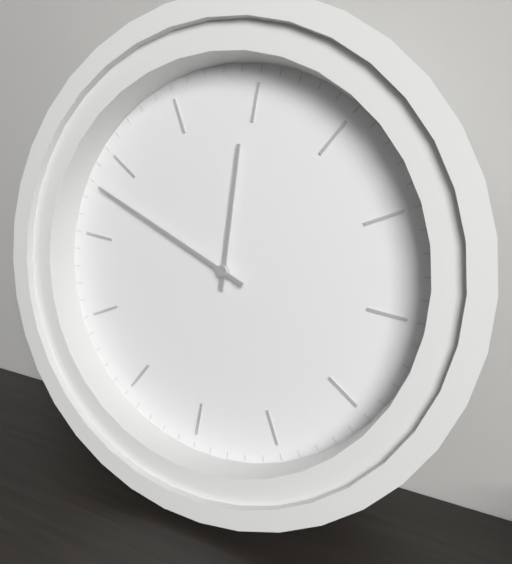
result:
12.53
